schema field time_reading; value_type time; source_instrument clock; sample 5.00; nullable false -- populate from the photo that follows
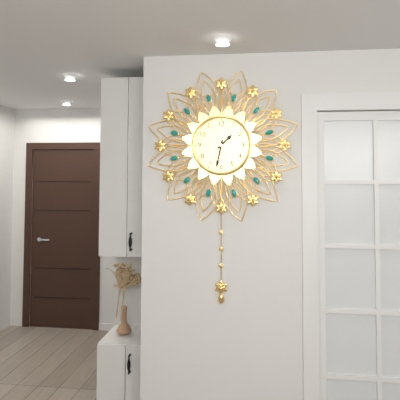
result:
1.32
